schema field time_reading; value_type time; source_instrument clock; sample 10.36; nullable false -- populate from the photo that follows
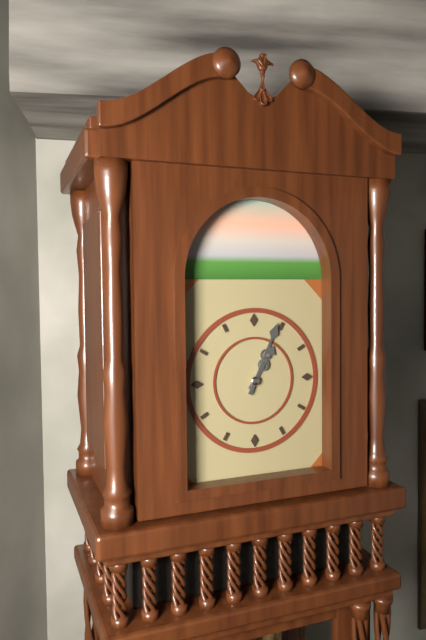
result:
1.04
